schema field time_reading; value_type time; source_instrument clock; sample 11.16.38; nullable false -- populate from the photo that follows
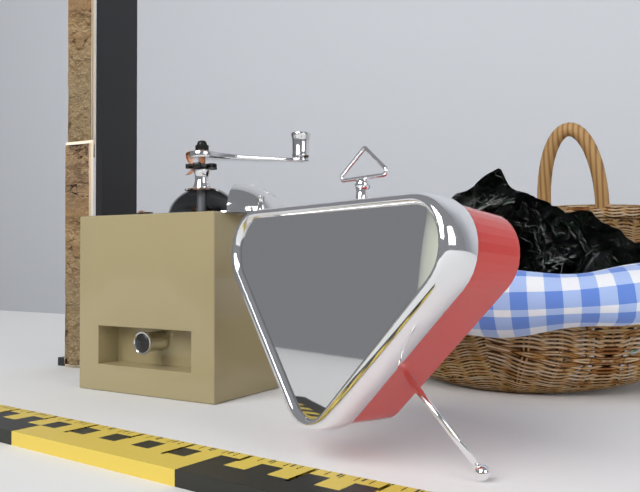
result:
1.27.51
